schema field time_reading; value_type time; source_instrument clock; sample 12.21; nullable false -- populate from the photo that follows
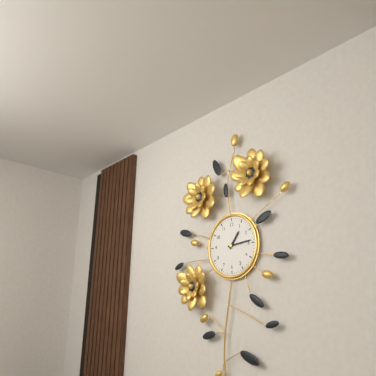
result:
1.14
